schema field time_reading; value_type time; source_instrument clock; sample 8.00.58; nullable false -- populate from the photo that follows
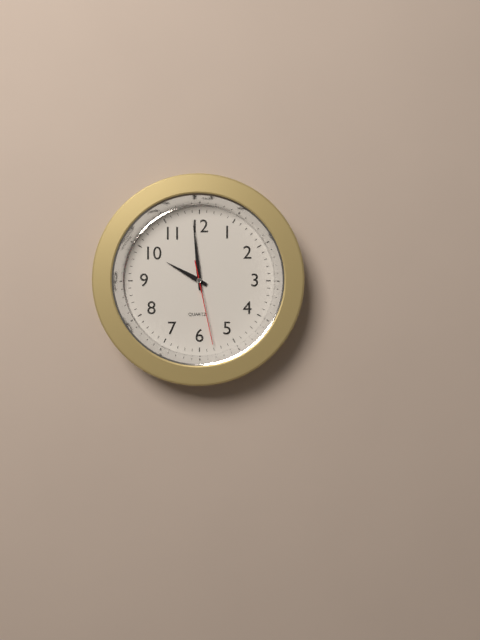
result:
9.59.28
